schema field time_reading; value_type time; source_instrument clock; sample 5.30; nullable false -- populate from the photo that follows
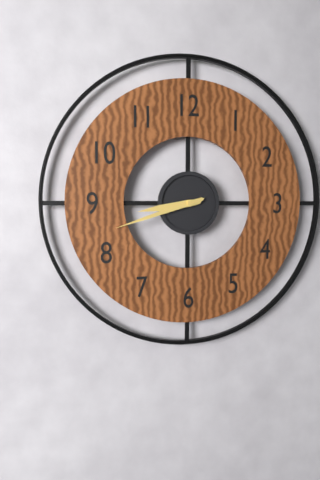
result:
8.42
